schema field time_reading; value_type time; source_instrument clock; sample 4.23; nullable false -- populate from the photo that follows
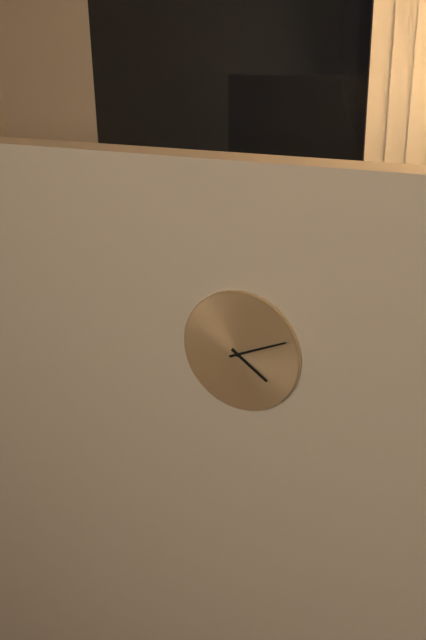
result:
4.11
